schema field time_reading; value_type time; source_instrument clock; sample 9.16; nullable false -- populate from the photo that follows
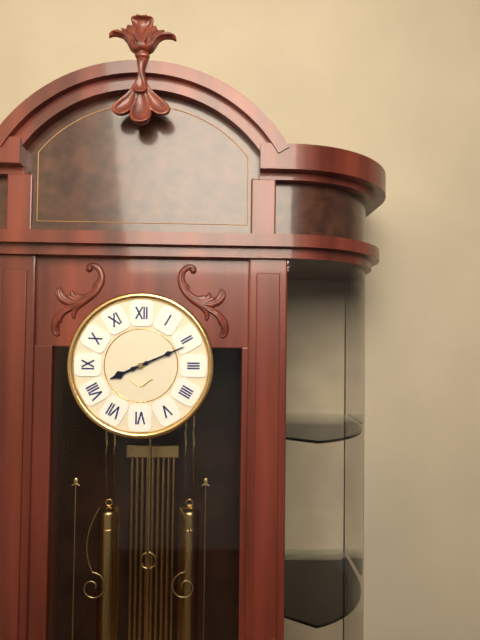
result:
8.11
